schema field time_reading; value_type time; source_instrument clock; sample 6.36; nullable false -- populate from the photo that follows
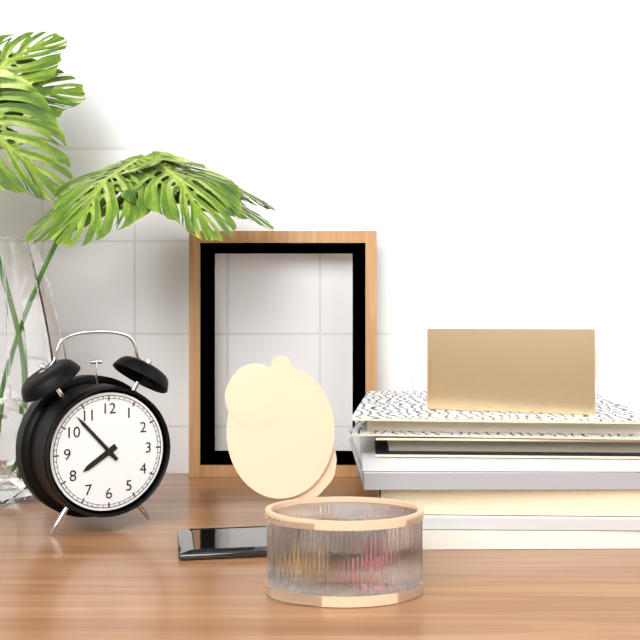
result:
7.53
